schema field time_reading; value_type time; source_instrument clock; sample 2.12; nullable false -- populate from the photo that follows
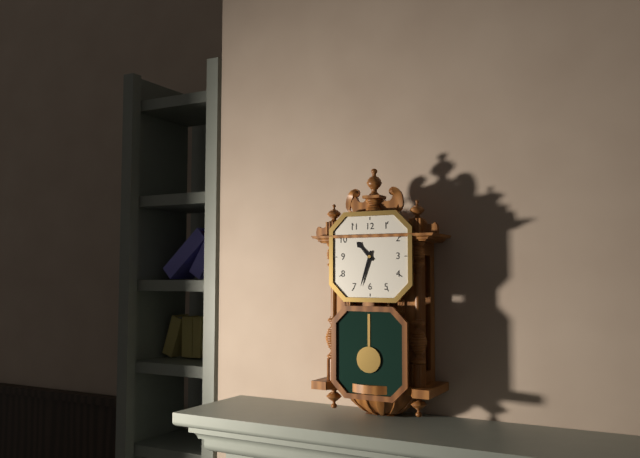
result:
10.33
